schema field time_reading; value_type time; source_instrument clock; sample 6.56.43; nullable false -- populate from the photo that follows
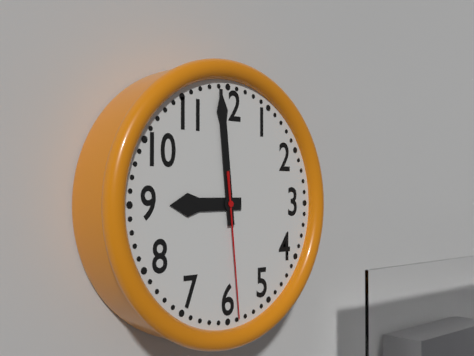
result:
8.59.29
